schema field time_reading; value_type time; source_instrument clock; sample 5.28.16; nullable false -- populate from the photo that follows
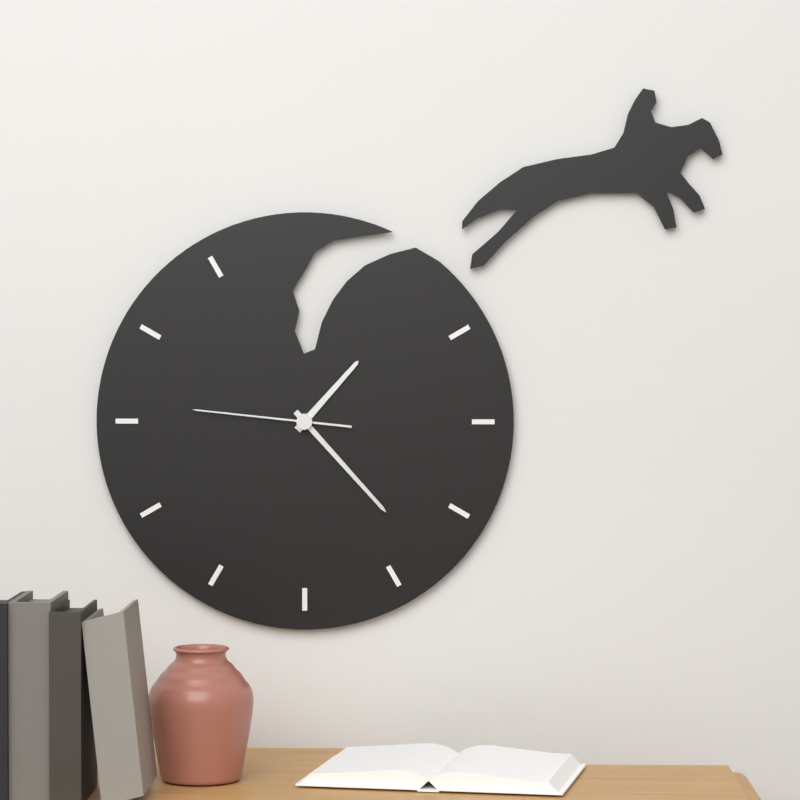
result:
1.23.46
